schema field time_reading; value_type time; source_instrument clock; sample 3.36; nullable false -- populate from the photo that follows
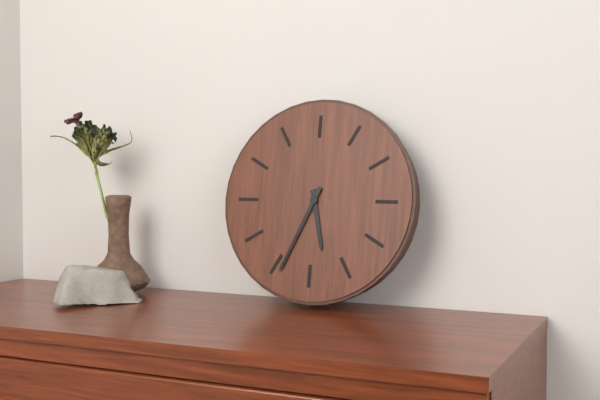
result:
5.34
